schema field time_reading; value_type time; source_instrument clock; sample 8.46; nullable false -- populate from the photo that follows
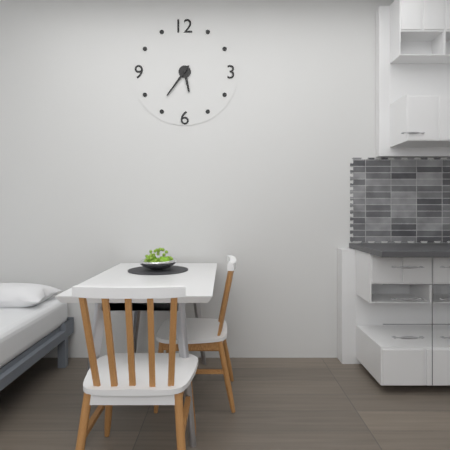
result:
5.36
